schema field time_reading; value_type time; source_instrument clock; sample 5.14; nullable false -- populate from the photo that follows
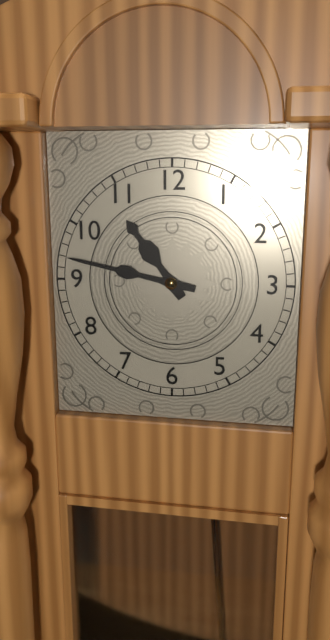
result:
10.47
